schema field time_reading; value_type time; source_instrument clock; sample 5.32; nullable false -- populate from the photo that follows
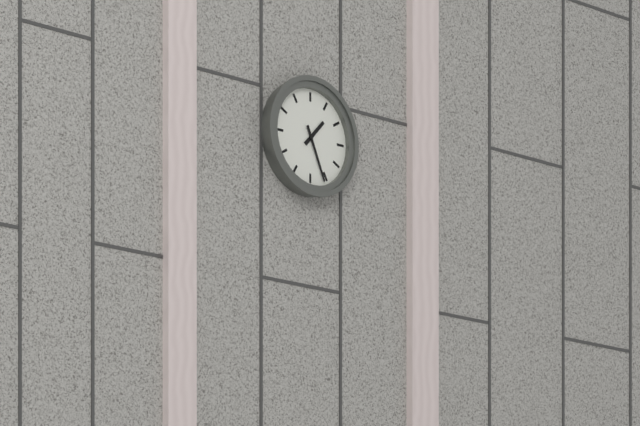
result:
1.26
